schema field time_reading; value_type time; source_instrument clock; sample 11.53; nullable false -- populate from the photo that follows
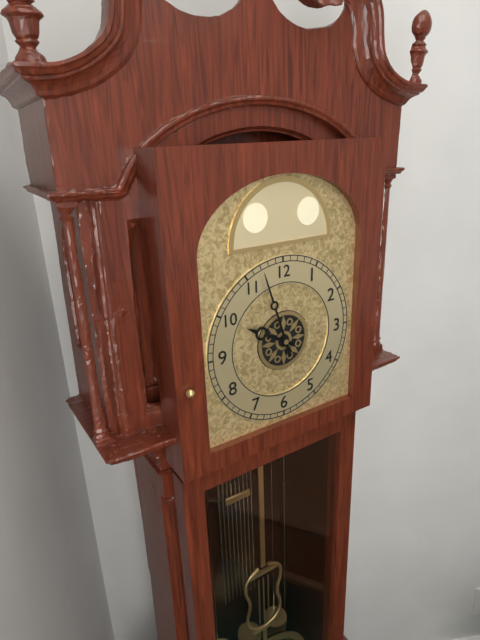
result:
9.57
